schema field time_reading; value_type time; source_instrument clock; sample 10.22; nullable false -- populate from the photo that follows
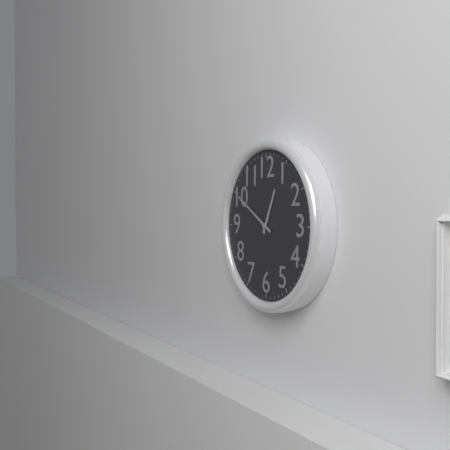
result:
12.50
